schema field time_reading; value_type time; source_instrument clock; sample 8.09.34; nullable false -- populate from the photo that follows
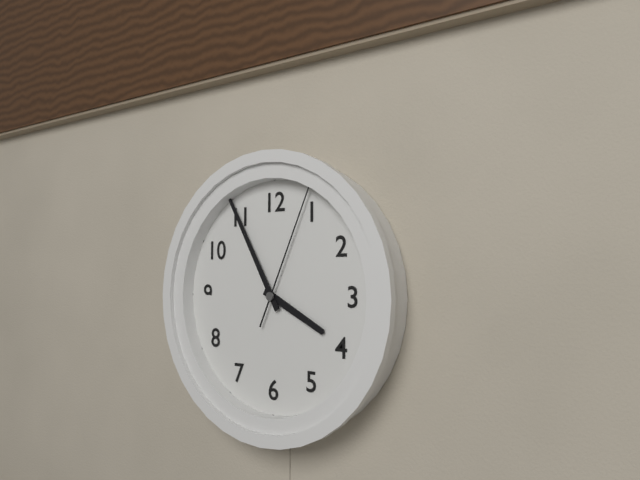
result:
3.55.04
